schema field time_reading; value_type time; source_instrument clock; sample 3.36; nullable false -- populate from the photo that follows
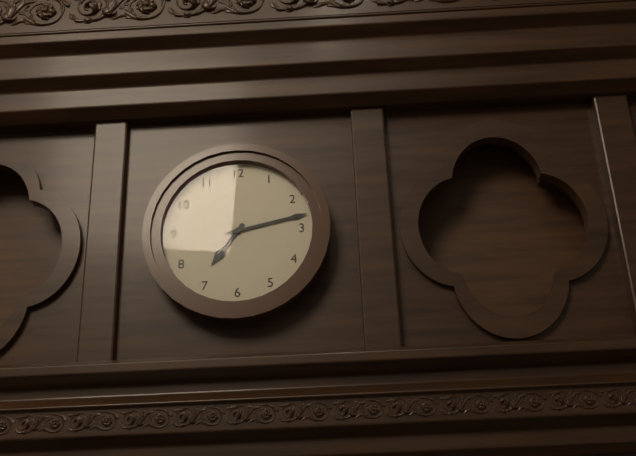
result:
7.13
